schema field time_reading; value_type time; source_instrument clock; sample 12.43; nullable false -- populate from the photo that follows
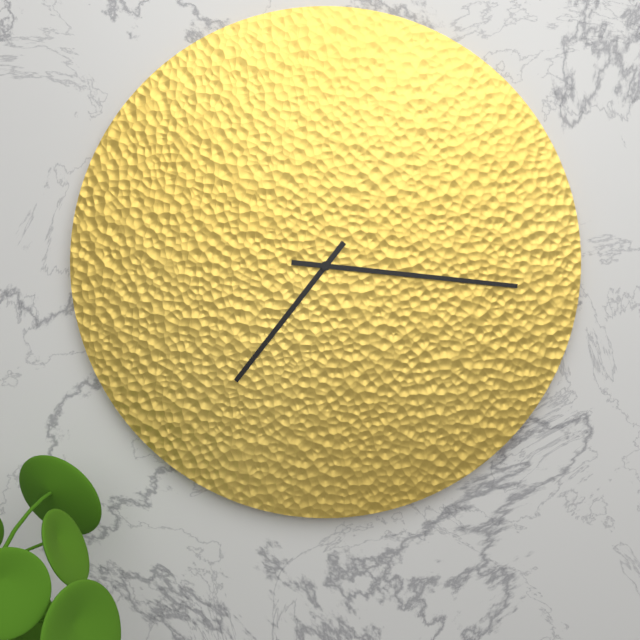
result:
7.16
